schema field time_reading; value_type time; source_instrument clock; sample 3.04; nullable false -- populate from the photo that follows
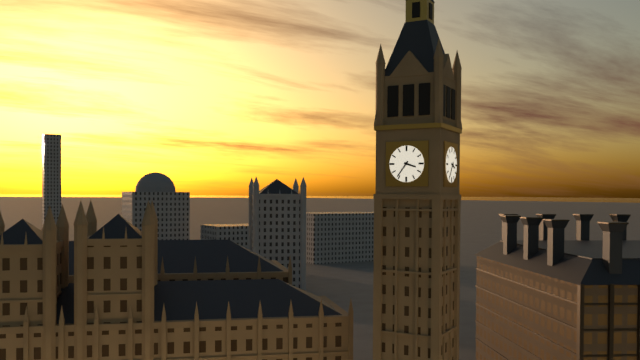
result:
3.36
